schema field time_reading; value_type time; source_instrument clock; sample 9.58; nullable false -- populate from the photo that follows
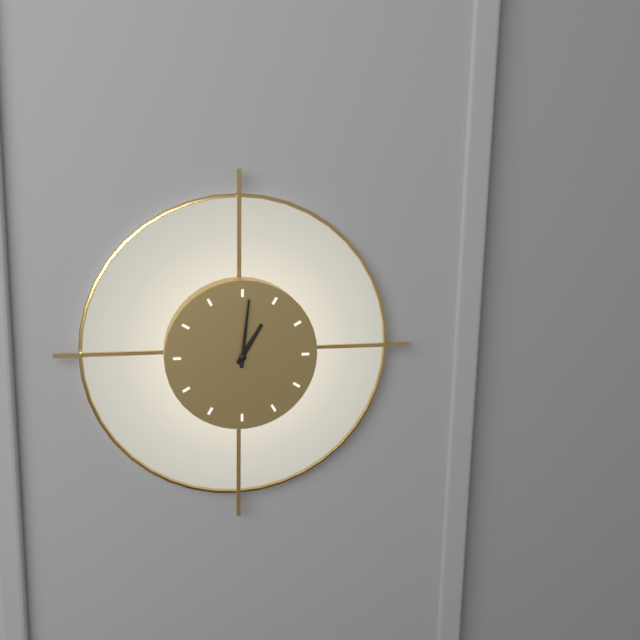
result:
1.01
